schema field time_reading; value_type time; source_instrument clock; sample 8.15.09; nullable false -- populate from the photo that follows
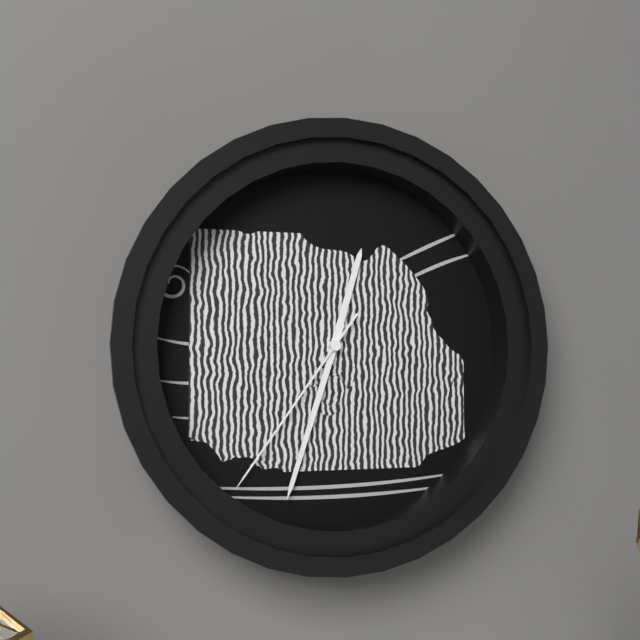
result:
12.33.36
